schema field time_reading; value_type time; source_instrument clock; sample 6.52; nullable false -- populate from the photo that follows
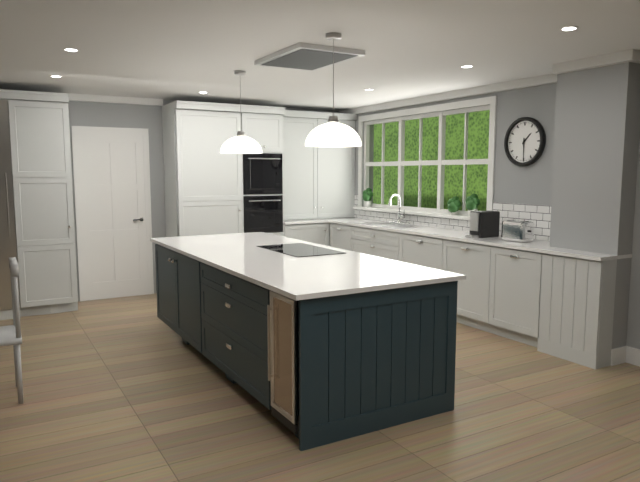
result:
1.30
